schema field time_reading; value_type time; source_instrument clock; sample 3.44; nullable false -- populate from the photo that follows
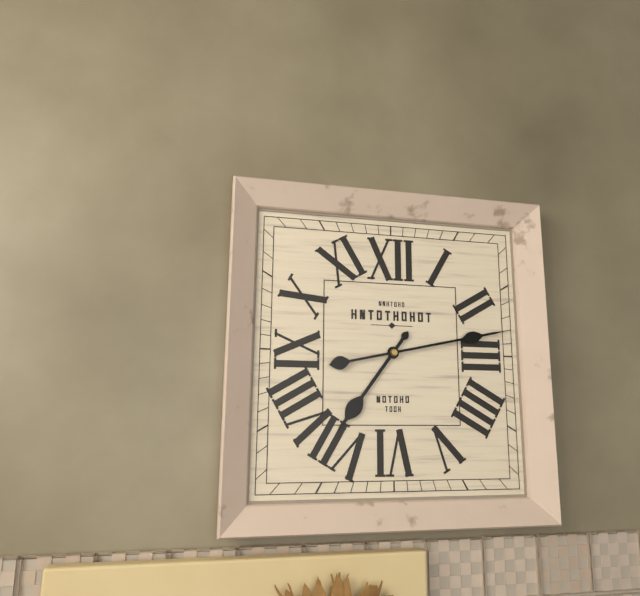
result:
7.13
